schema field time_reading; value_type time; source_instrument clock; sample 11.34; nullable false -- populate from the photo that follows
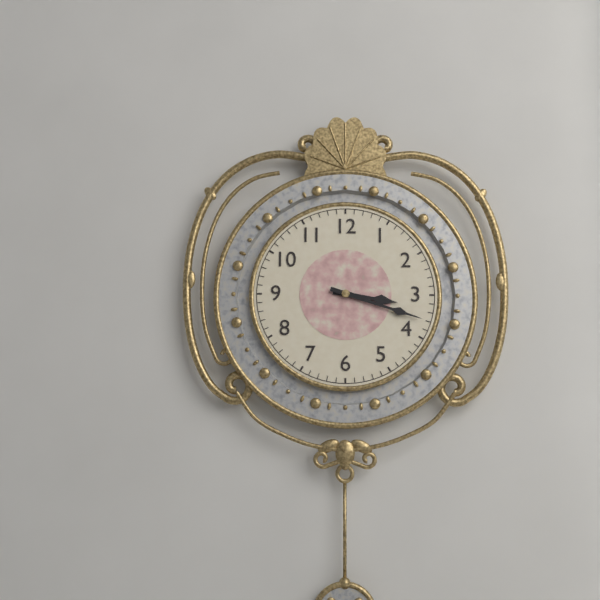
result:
3.18
